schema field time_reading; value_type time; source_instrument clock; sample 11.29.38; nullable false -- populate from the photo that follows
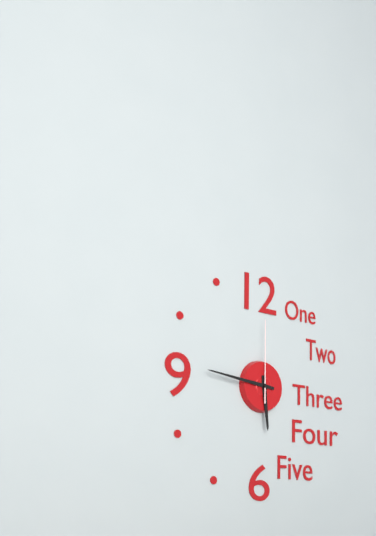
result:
5.46.00
